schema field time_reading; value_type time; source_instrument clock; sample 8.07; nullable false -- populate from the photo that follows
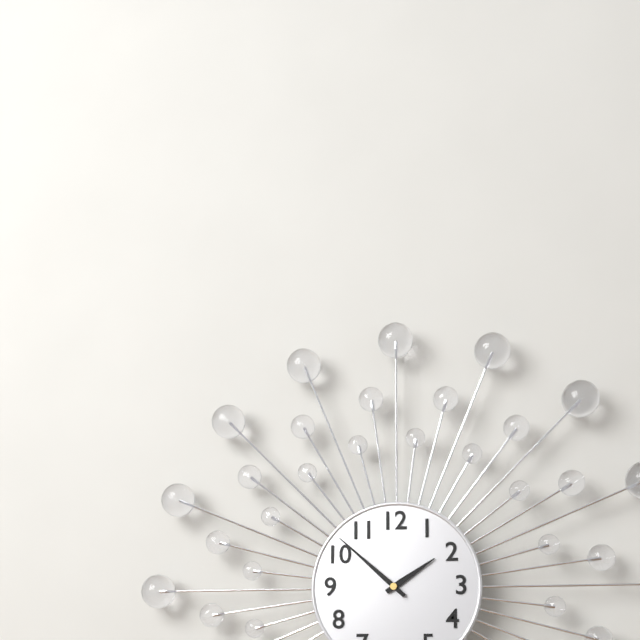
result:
1.52
